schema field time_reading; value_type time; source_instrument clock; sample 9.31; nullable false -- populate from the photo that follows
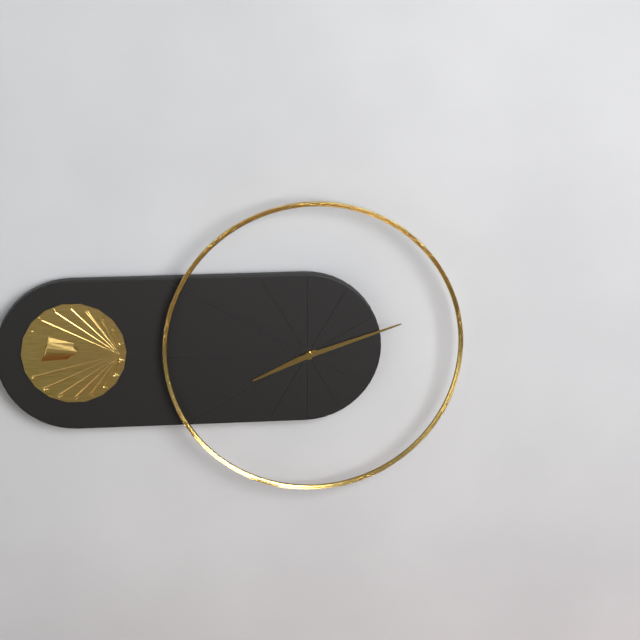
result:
8.12
